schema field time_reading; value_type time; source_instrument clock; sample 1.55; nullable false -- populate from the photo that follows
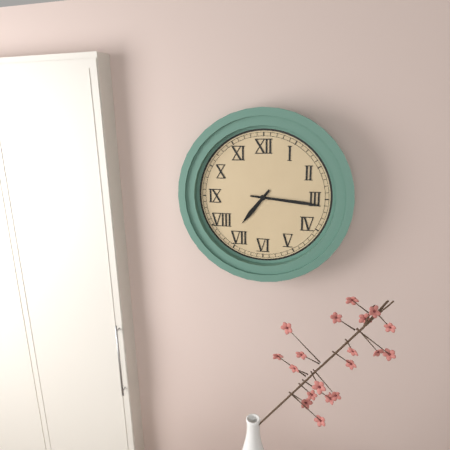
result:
7.16
